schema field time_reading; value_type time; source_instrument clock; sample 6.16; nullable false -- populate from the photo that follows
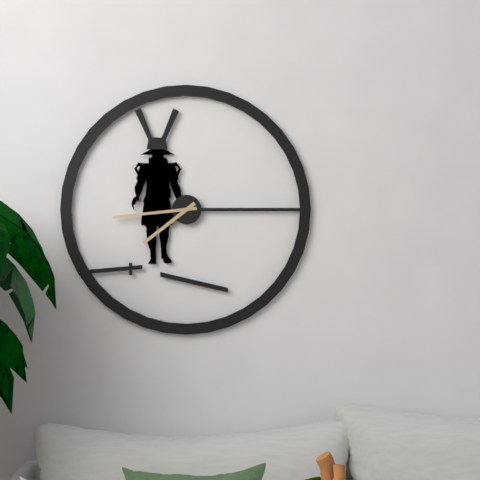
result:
7.44
